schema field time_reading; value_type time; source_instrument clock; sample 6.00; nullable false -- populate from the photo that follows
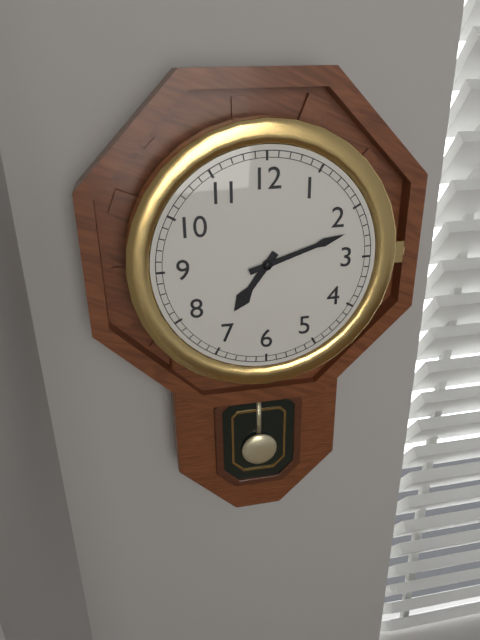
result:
7.12
